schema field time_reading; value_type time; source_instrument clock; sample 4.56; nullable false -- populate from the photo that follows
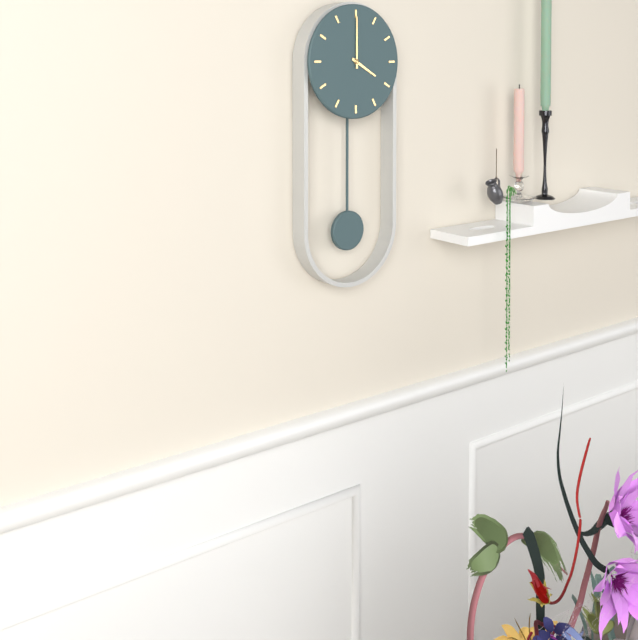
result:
4.00
